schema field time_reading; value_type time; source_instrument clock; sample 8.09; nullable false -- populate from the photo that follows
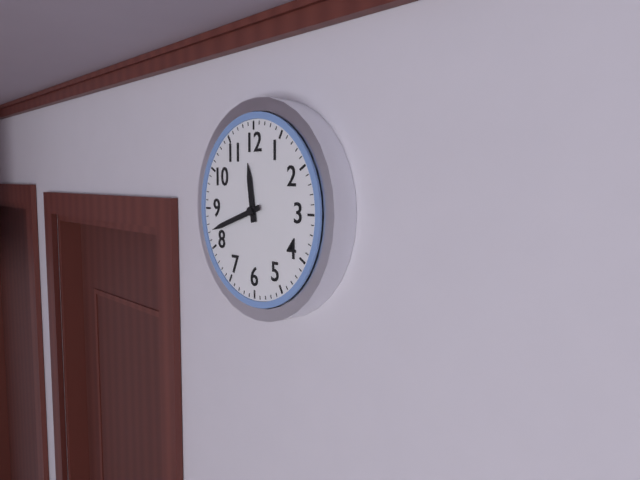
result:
11.42
